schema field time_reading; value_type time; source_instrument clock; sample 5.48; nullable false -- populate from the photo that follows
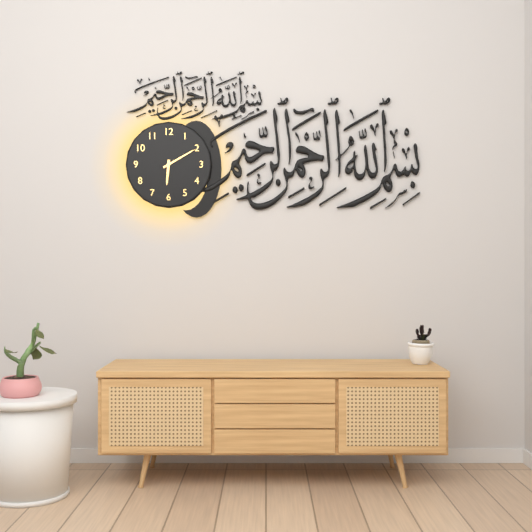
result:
6.10
